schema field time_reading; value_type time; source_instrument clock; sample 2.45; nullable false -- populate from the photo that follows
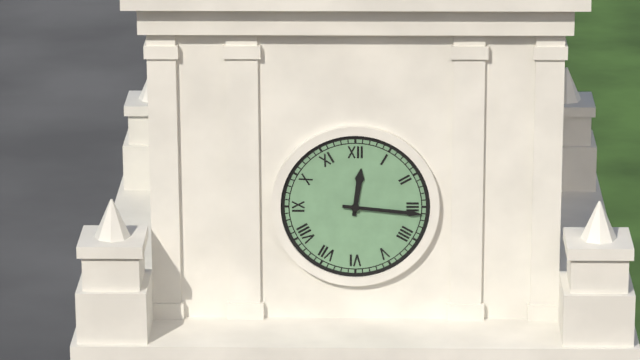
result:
12.16
